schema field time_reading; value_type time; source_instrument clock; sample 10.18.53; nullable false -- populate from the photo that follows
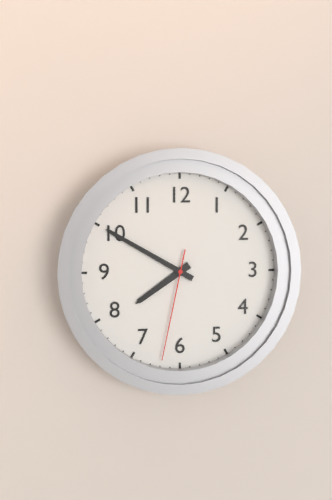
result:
7.50.32
